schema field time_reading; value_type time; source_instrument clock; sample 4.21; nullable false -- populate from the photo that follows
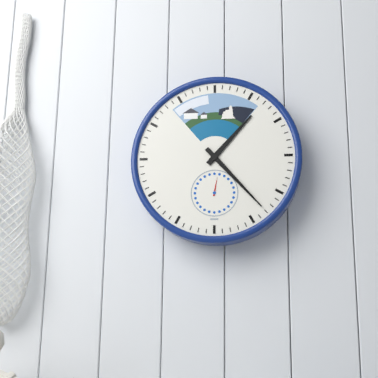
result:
1.23
